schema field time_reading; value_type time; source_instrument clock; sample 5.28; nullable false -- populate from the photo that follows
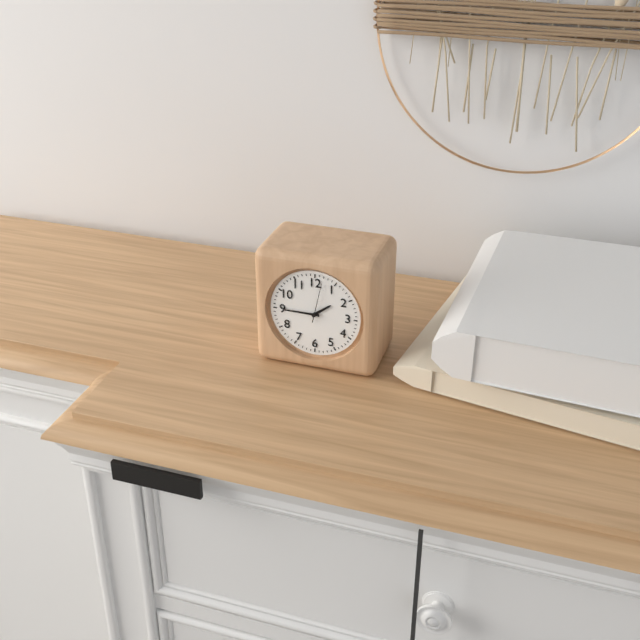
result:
1.45
